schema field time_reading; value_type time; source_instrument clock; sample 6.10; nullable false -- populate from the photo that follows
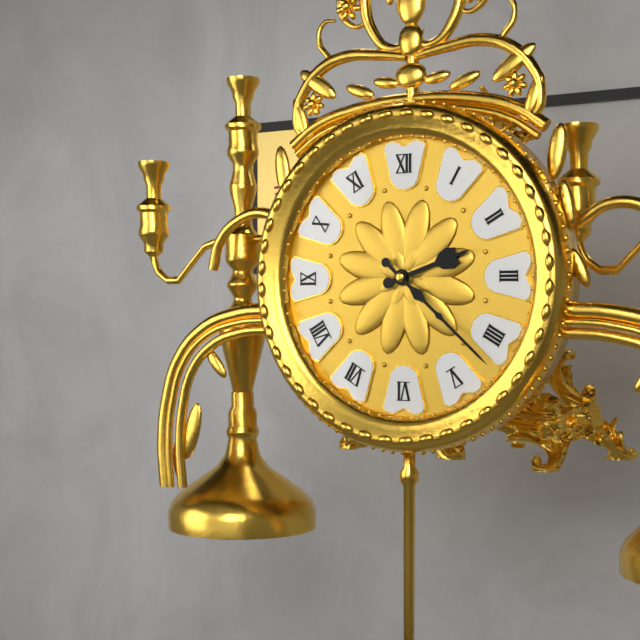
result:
2.22
